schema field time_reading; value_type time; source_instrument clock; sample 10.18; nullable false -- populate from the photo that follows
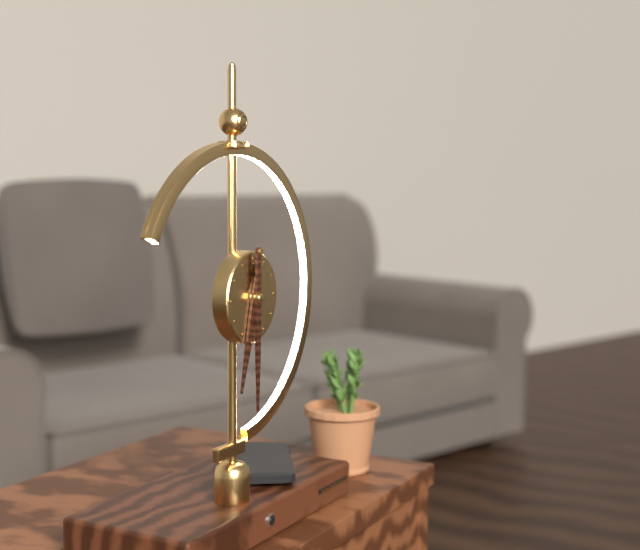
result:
6.30
